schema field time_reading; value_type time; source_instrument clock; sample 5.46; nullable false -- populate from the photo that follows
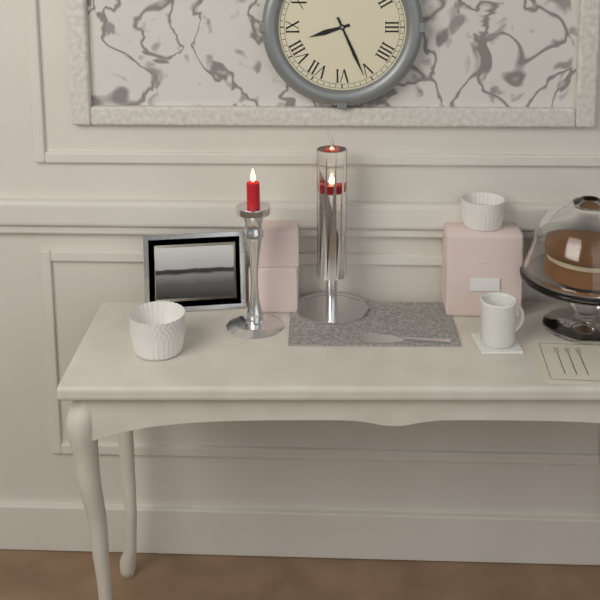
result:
8.26
